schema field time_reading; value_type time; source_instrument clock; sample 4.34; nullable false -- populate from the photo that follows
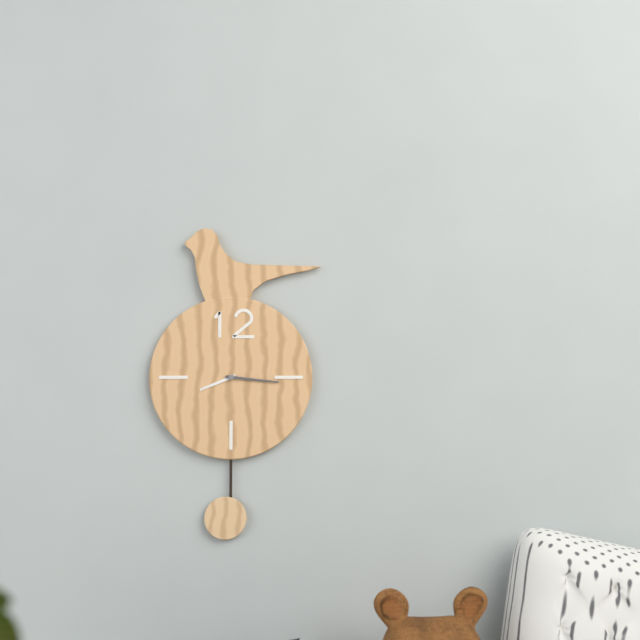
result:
8.16
